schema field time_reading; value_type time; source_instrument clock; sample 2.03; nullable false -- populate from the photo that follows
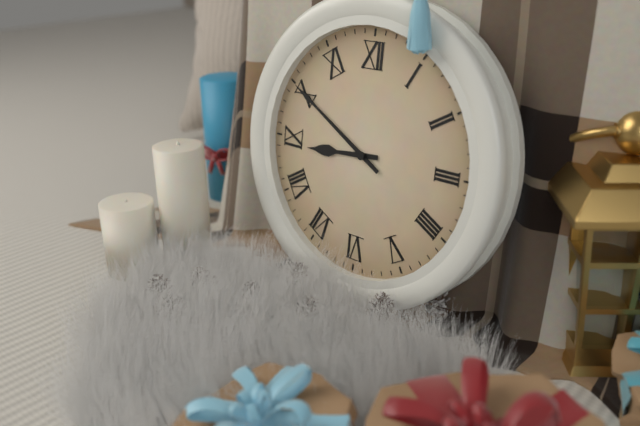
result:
8.50
